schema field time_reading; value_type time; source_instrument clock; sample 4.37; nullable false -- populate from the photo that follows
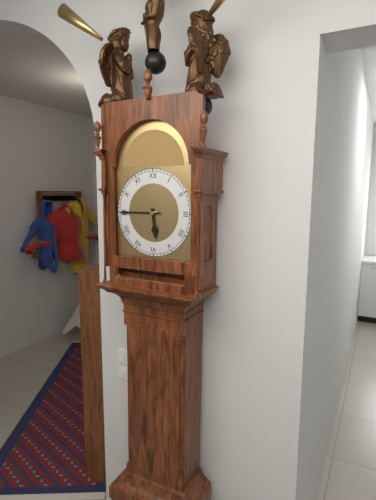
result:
5.45
